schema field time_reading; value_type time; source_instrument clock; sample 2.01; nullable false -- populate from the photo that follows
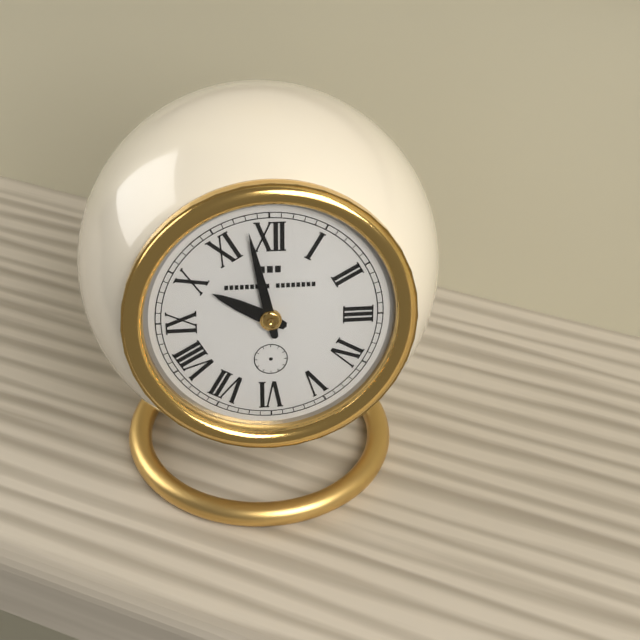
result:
9.58
